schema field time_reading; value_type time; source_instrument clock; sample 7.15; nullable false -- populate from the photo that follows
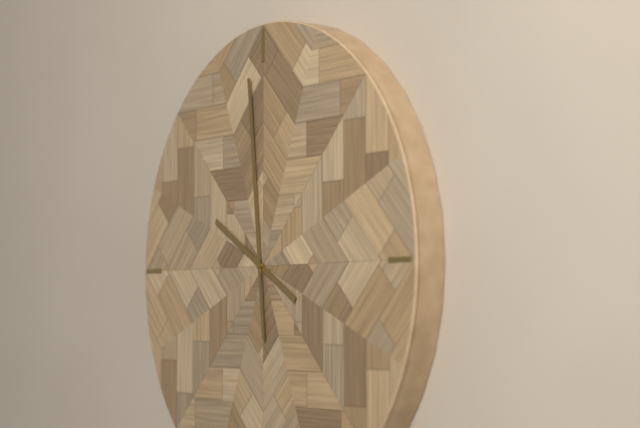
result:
9.59
